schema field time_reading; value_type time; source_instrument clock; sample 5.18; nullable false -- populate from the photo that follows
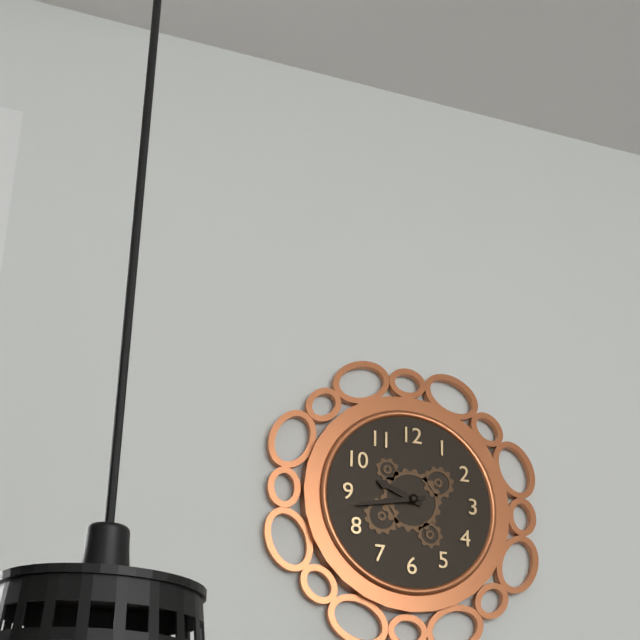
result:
9.43
